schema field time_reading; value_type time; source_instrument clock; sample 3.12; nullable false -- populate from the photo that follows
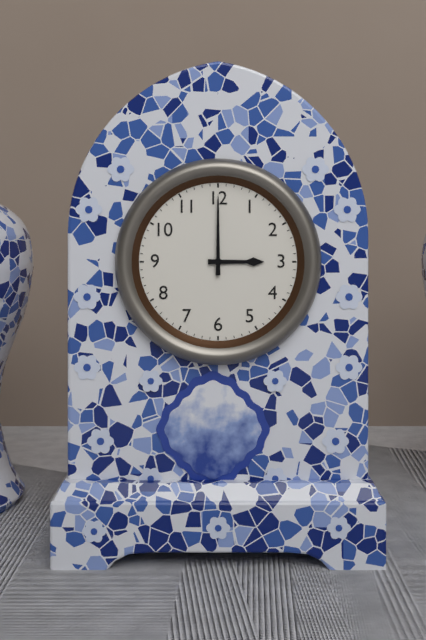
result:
3.00
